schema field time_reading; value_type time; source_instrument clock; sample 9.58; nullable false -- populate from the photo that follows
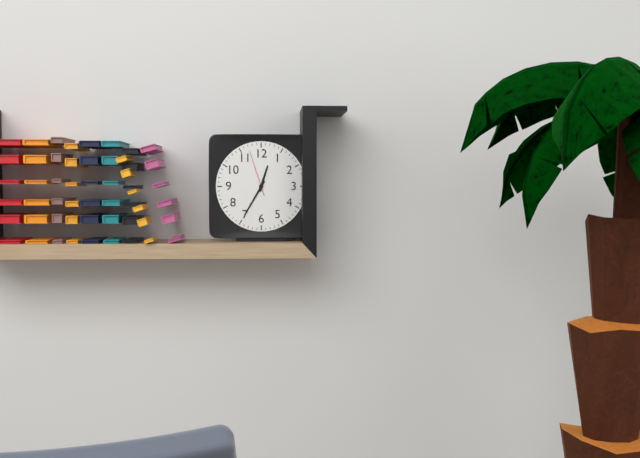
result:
12.35
